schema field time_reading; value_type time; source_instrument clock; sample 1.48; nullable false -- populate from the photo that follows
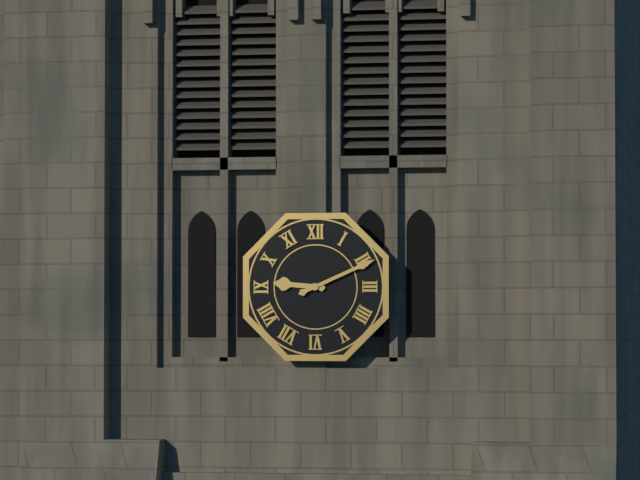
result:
9.11
